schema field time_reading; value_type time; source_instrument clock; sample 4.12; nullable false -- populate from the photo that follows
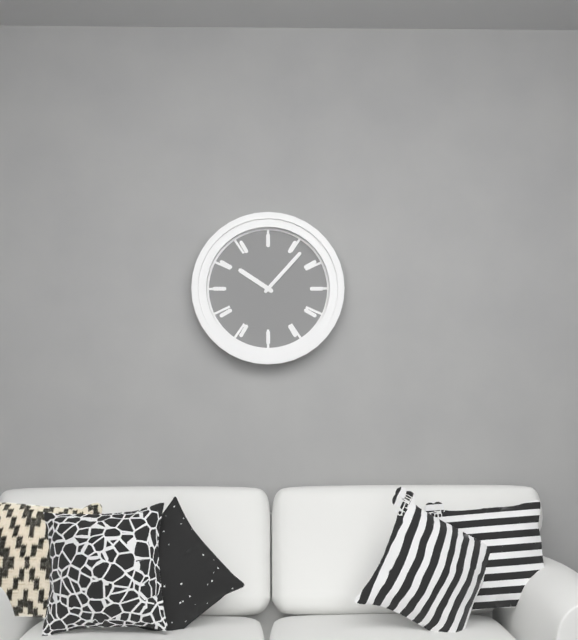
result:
10.07
